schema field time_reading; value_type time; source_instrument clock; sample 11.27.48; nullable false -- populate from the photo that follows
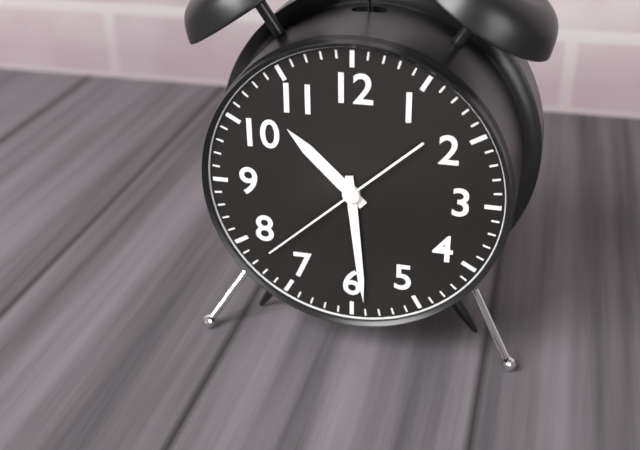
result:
10.29.38
